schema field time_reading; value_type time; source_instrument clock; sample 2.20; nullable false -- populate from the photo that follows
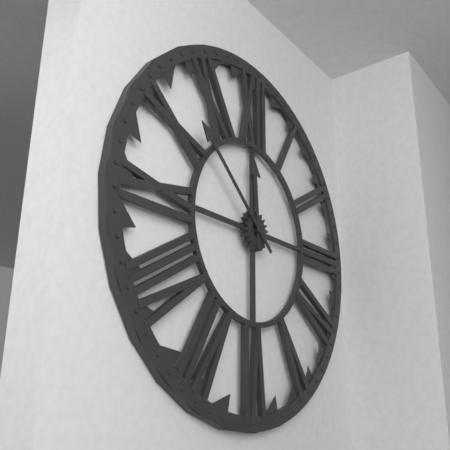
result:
11.52
